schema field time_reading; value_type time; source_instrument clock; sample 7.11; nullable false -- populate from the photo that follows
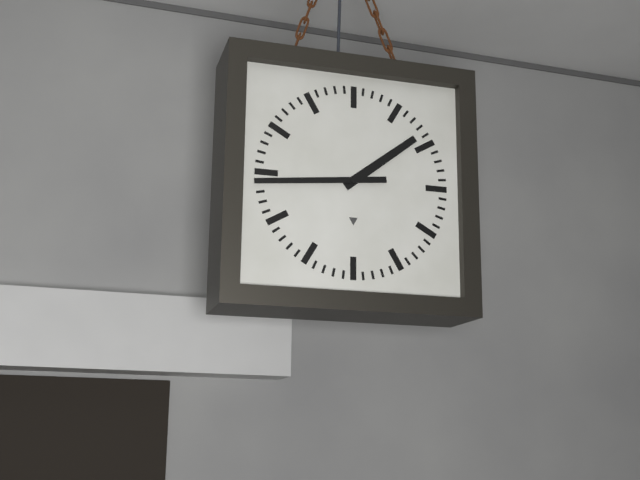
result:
1.44
